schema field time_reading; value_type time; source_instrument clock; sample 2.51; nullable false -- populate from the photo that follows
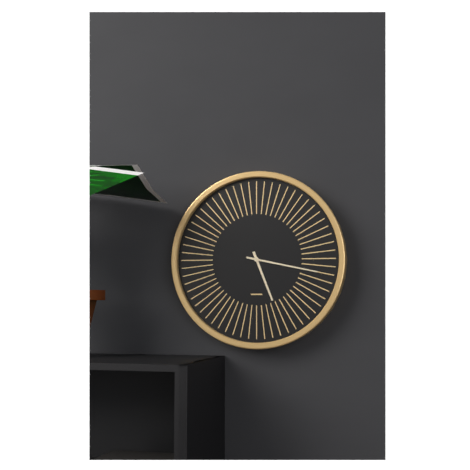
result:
5.17
